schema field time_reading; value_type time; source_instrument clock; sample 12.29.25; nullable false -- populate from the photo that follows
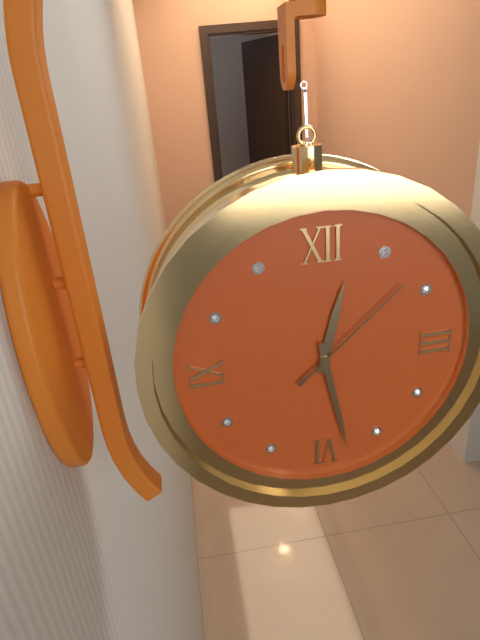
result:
12.28.08
